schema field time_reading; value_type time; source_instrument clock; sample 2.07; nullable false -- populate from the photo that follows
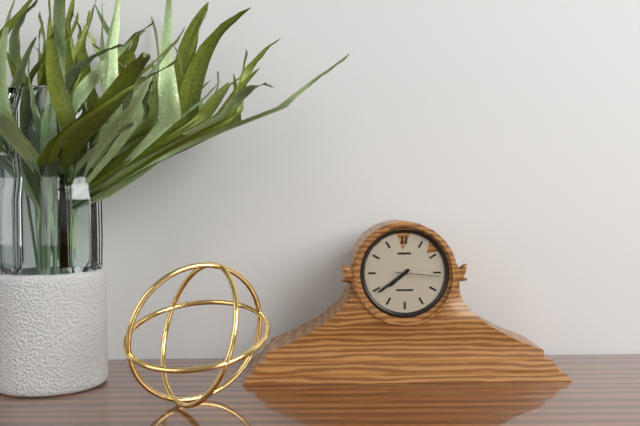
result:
7.39
